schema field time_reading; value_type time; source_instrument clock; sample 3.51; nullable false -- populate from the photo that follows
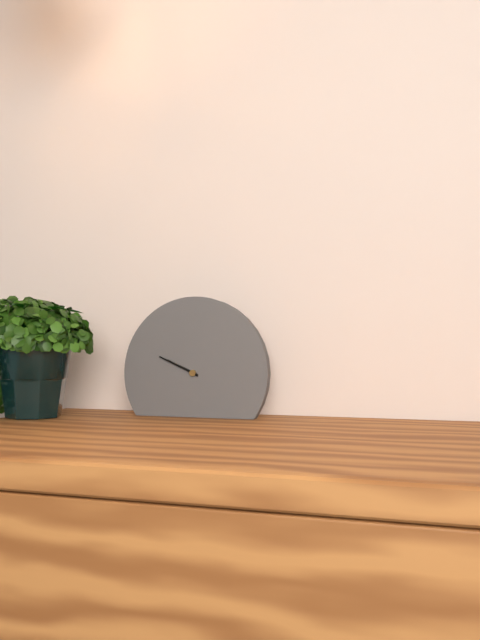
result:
9.49
